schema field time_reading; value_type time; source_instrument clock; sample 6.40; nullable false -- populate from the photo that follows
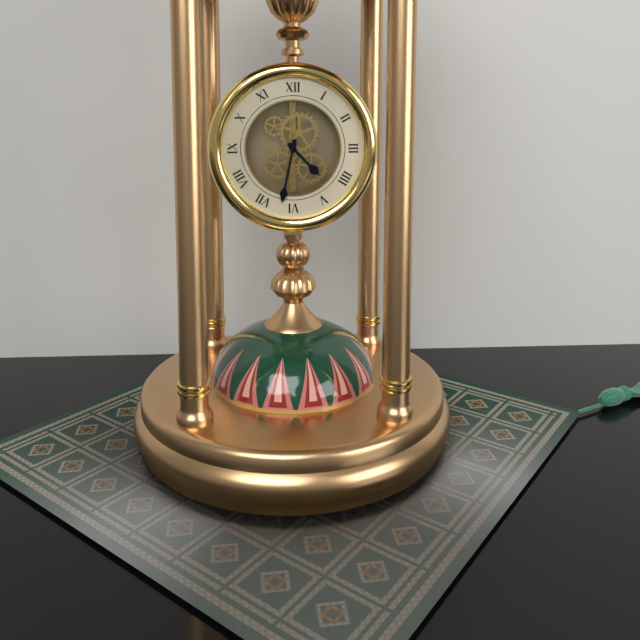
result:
4.32
